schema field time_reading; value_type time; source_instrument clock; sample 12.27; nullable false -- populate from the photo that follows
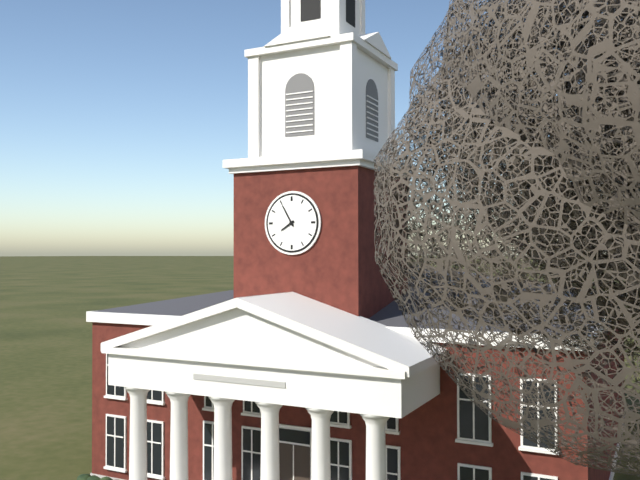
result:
7.55
